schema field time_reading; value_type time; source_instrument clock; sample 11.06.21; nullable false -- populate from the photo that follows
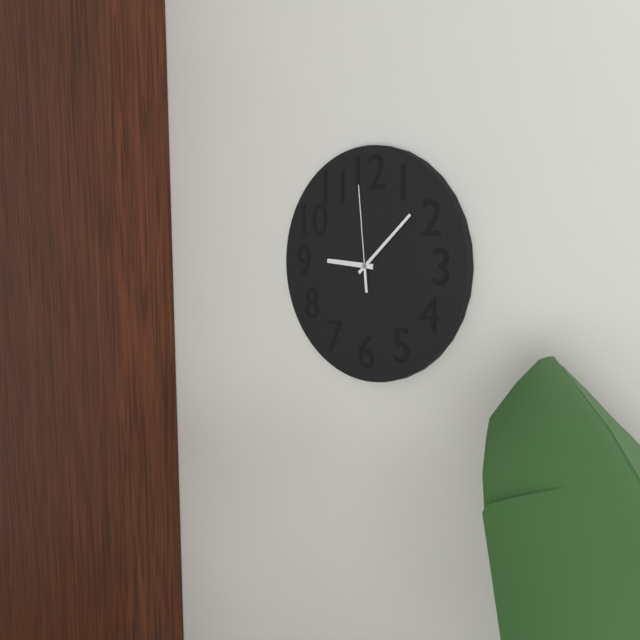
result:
9.08.59
